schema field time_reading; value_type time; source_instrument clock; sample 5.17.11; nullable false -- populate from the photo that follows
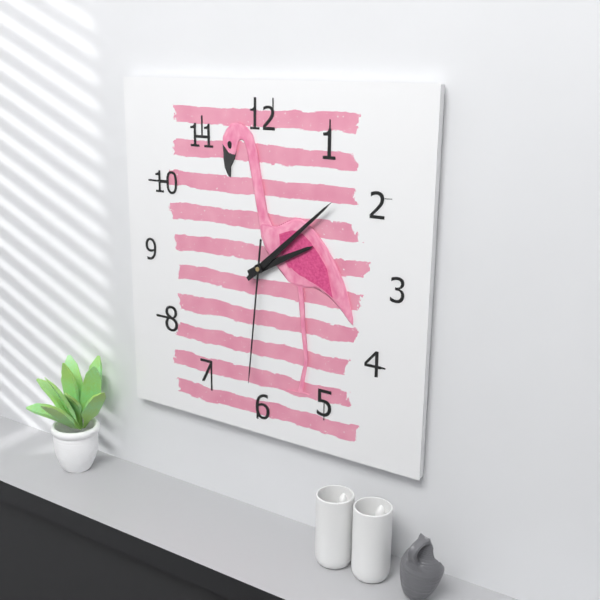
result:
2.08.31
